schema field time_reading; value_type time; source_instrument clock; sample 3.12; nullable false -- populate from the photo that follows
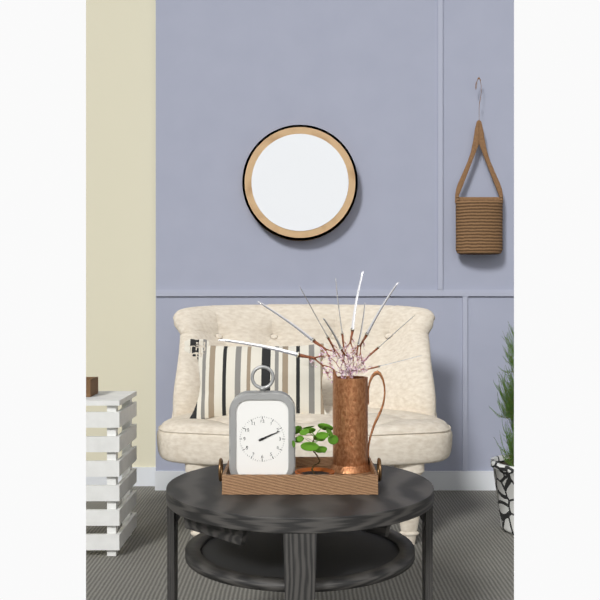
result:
2.11
